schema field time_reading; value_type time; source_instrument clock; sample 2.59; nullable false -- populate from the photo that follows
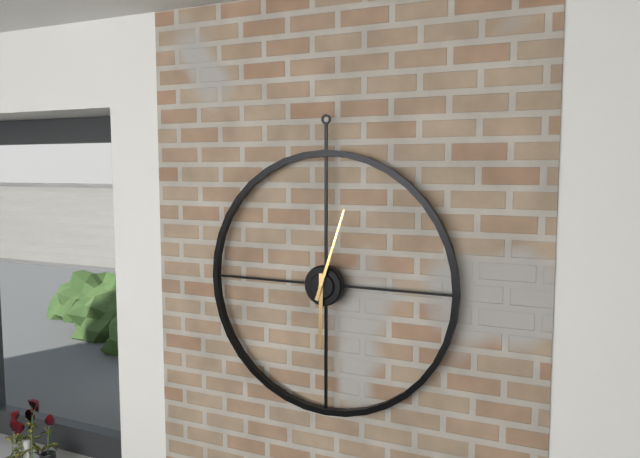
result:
6.03
